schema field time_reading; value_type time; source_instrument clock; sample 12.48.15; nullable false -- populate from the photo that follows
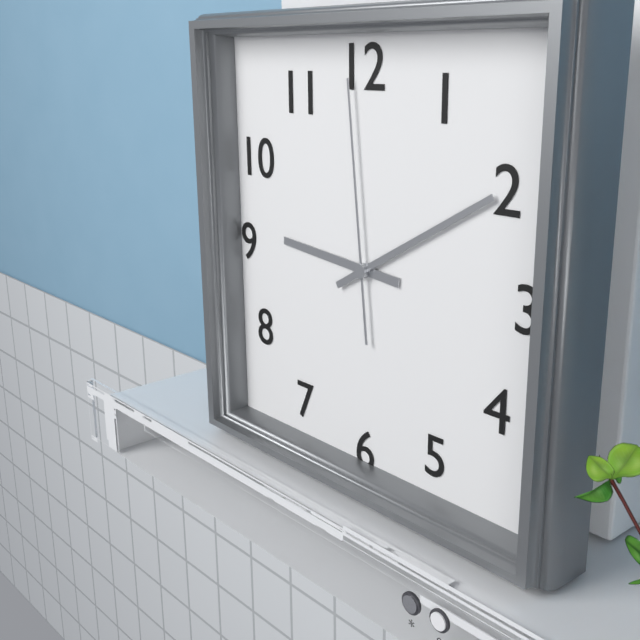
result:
9.10.59
